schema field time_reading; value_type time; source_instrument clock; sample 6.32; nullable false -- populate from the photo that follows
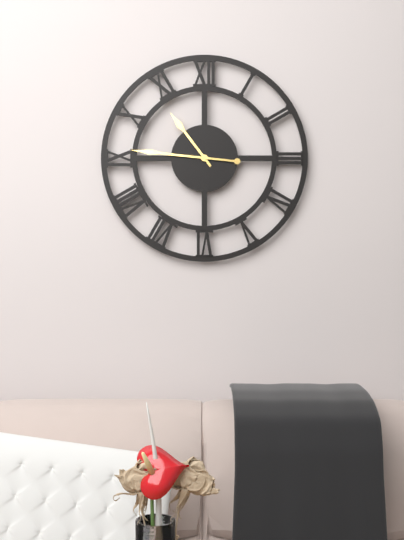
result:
10.46
